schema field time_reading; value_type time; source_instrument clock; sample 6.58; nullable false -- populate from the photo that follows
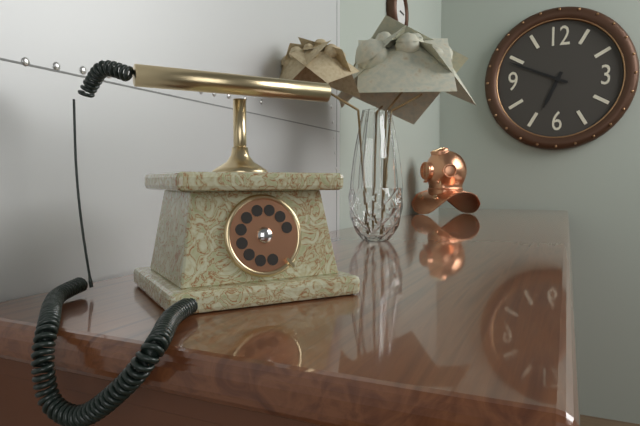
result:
6.49
